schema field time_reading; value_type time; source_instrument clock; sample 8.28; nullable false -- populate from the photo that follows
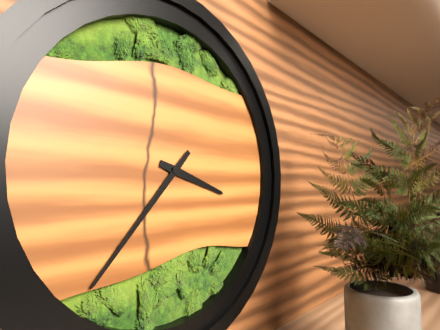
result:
3.37
